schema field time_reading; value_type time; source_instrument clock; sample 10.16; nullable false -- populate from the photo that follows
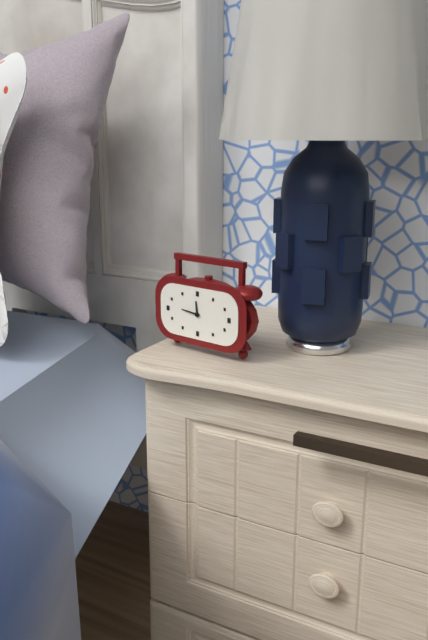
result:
11.46
